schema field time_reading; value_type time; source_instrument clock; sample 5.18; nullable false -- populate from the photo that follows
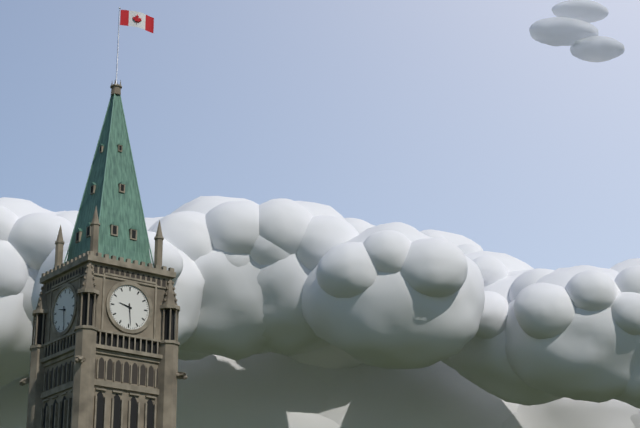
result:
9.29
